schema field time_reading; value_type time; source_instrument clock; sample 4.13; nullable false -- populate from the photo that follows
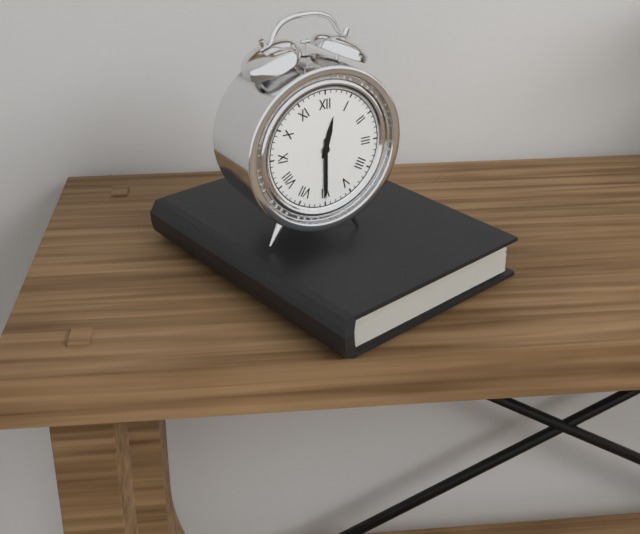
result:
12.30
